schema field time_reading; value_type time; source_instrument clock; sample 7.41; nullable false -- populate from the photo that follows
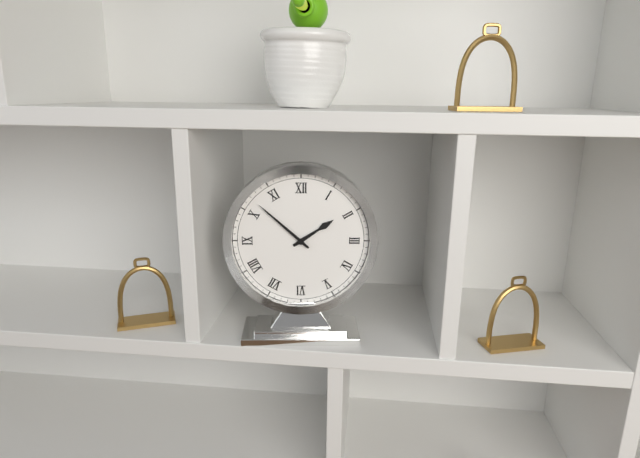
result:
1.52
